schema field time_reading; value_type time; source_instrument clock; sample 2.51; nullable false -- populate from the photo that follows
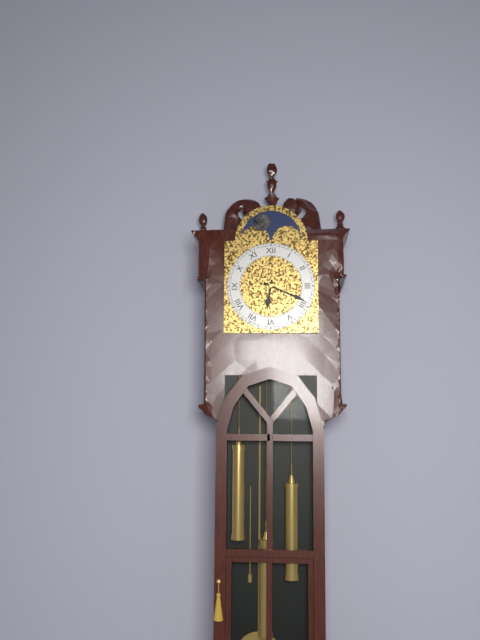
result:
6.19
